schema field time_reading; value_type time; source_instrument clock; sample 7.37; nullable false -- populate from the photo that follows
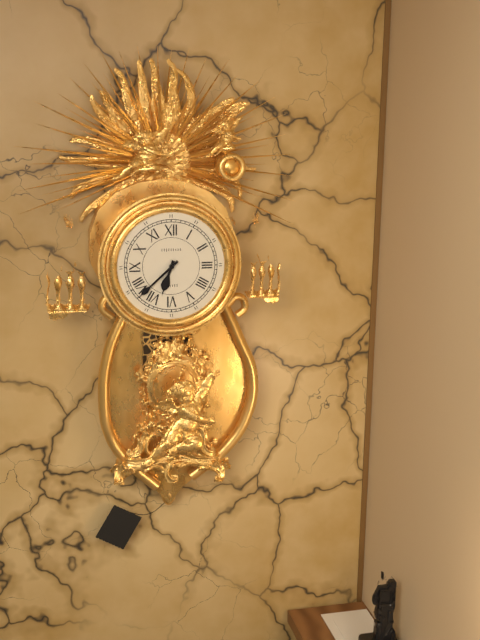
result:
6.38
